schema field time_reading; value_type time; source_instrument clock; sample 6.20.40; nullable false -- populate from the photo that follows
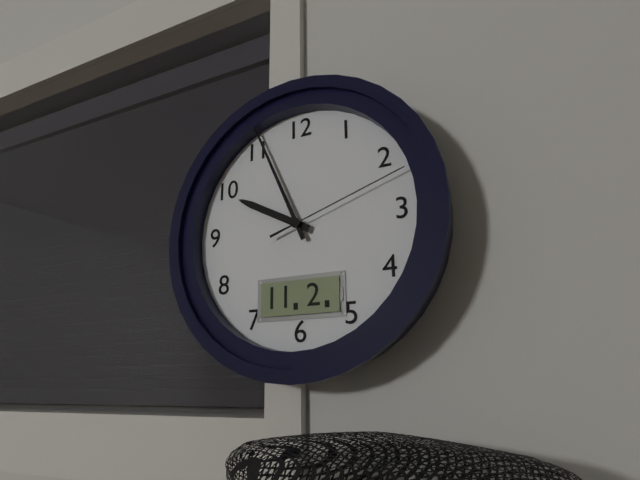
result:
9.56.12
